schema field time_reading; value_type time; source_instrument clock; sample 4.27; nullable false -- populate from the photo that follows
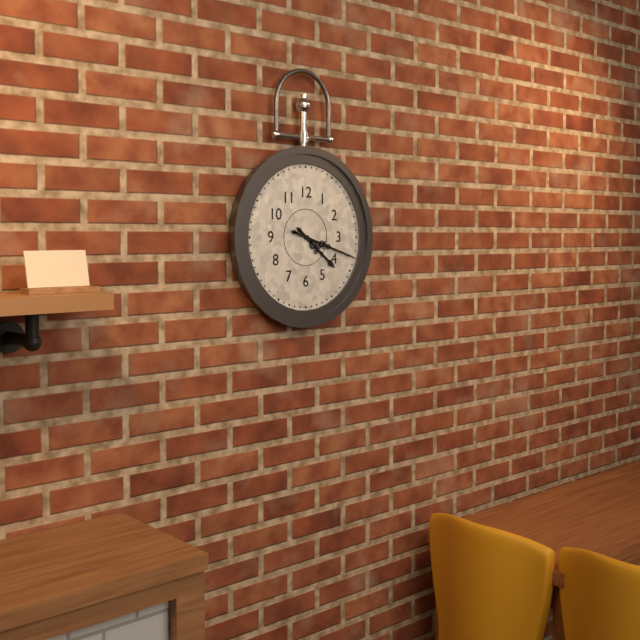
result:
4.18
